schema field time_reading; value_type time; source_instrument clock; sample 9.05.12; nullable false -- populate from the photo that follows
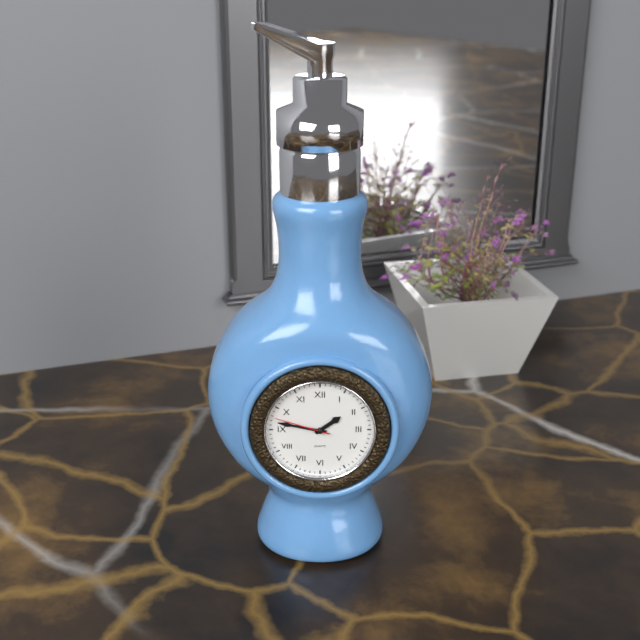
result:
1.47.48
